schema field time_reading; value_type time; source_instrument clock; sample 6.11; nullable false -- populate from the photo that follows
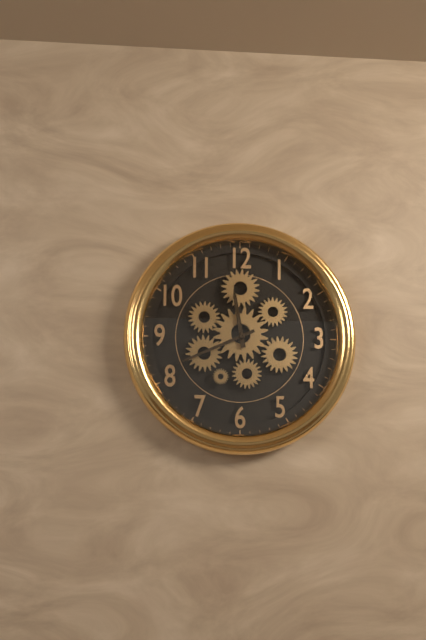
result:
11.41
